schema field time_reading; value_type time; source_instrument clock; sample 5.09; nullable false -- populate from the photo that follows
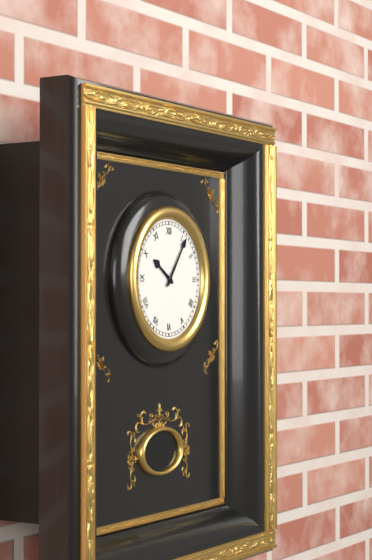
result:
10.06
